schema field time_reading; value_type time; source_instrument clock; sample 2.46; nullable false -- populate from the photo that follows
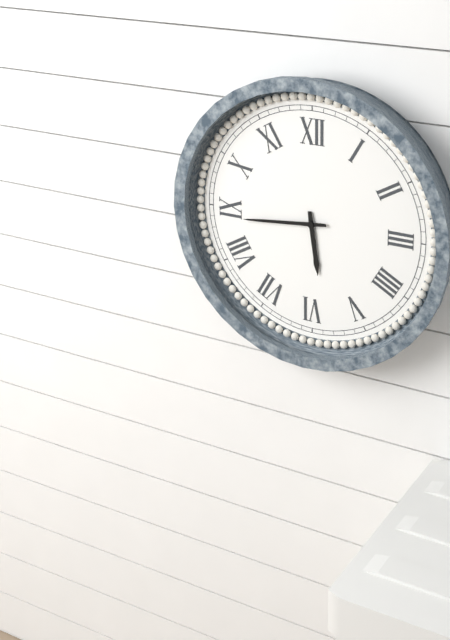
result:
5.44
